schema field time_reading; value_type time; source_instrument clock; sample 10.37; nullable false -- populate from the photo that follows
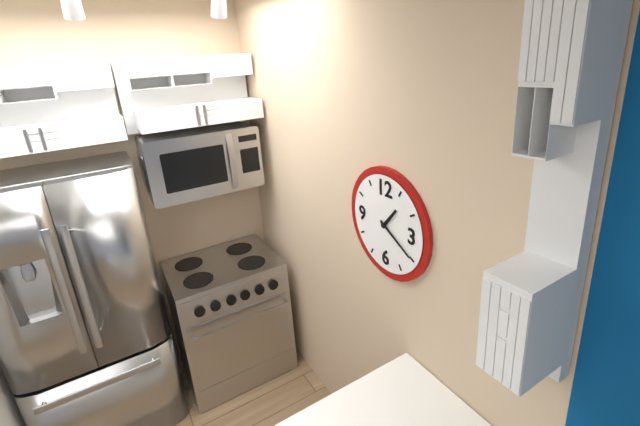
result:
1.20
